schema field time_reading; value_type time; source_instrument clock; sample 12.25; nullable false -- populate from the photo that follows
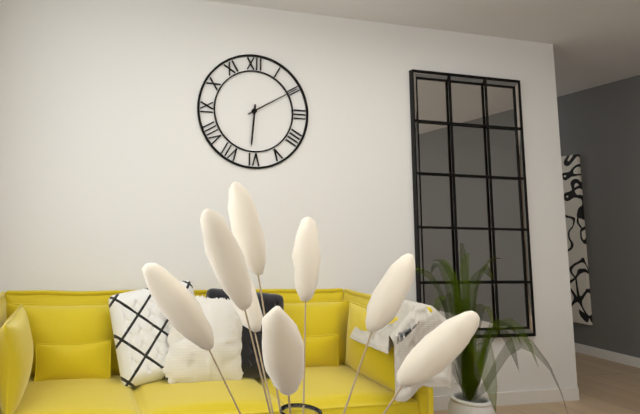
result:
6.10
